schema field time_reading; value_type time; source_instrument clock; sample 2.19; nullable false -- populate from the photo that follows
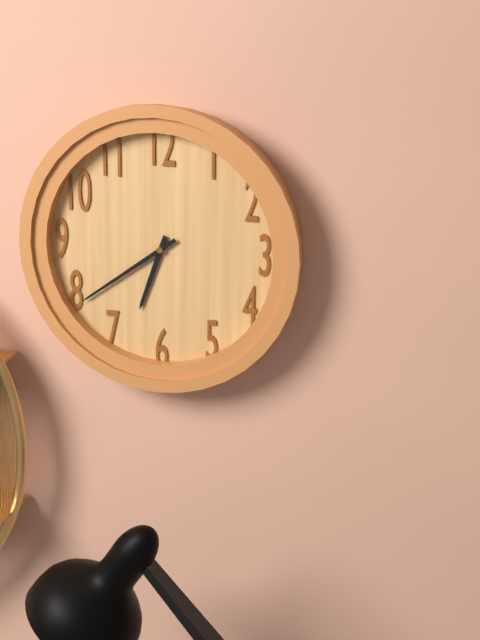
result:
6.39
